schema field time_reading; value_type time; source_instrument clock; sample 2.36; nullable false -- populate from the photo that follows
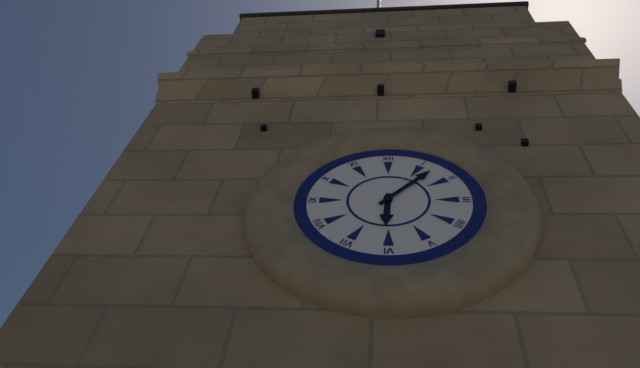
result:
6.07
